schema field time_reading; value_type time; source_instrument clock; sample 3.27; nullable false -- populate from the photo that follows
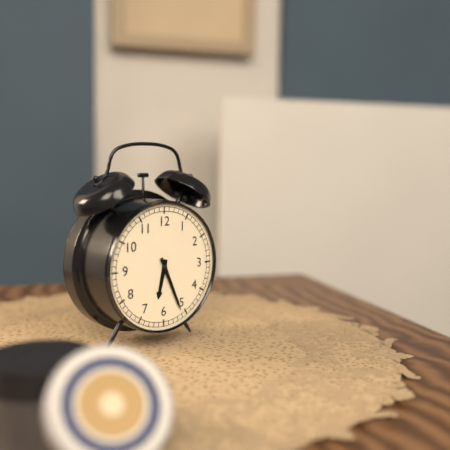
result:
6.26
